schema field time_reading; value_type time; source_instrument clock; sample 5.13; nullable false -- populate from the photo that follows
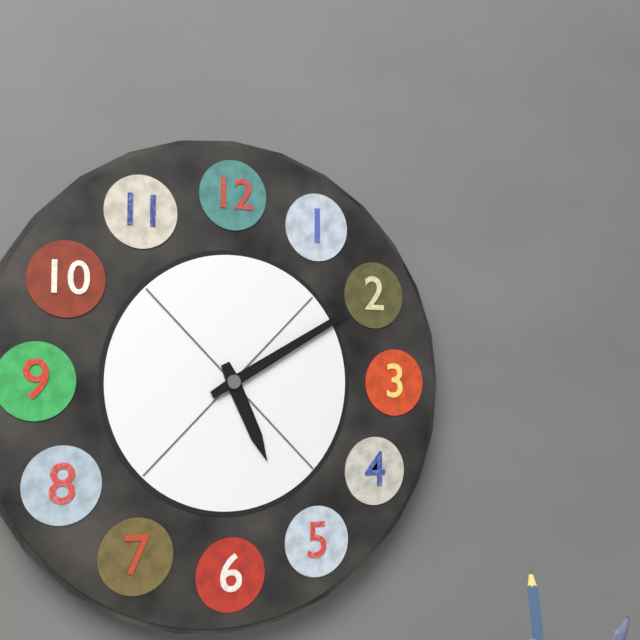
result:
5.10
